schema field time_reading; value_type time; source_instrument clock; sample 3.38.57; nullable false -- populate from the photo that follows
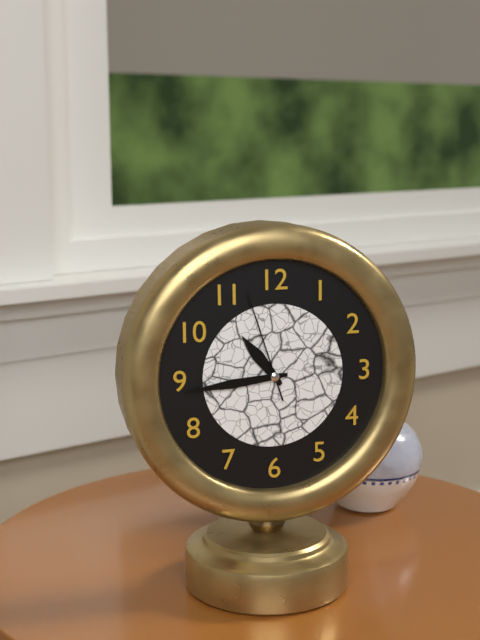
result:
10.44.57
